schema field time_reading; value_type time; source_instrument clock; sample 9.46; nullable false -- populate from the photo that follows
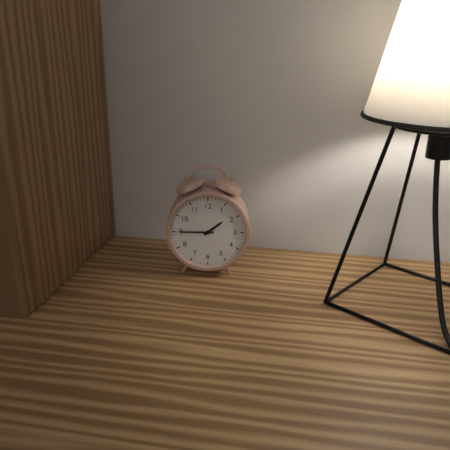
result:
1.45
